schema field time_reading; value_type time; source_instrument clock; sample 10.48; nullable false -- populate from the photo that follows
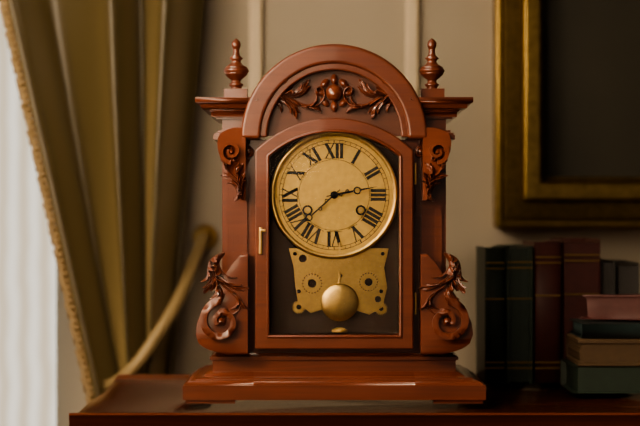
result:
2.38
